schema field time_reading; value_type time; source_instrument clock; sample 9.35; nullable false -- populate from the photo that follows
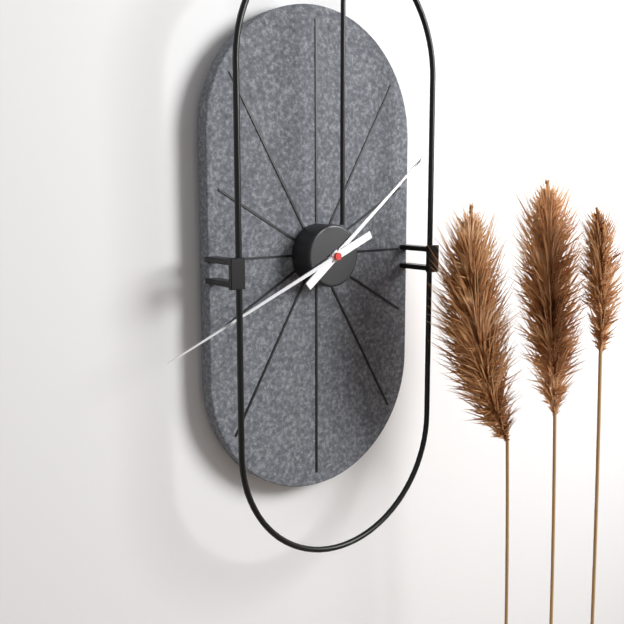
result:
1.41
